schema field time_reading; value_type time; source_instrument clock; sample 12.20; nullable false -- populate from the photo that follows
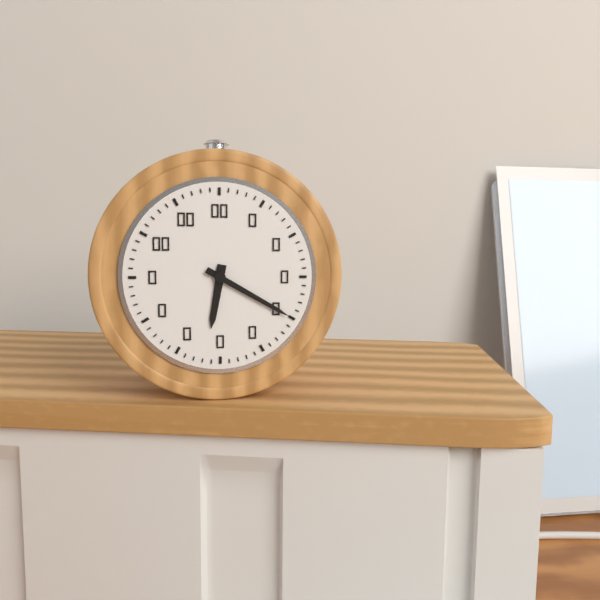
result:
6.20
